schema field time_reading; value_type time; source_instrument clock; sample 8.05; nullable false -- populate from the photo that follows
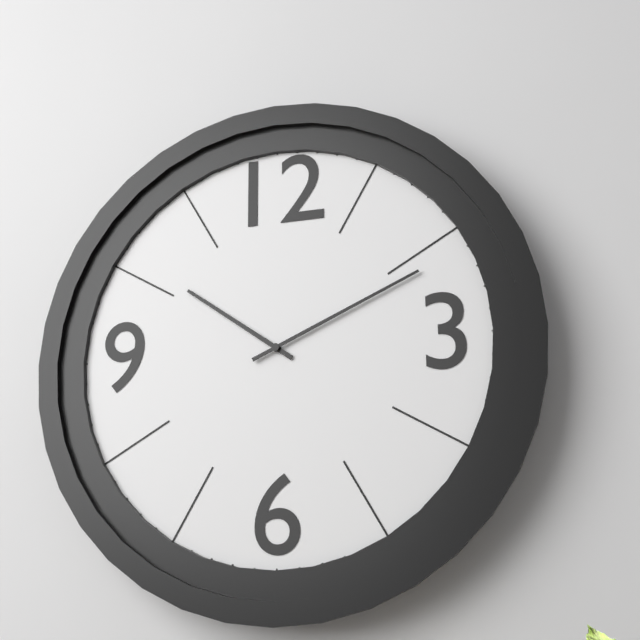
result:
10.11
